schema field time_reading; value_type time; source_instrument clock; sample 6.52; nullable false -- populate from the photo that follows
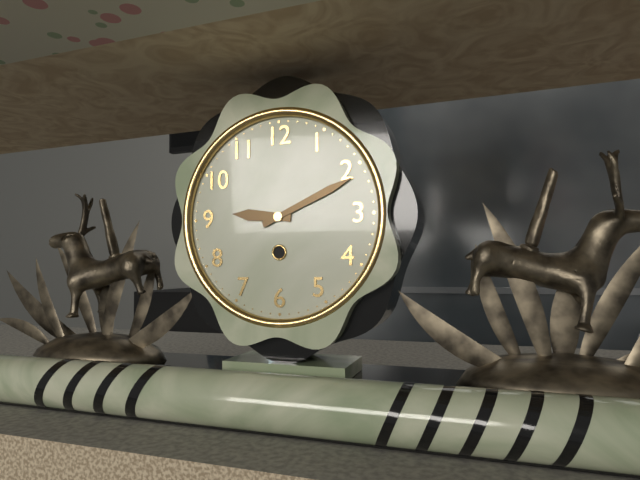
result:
9.11
